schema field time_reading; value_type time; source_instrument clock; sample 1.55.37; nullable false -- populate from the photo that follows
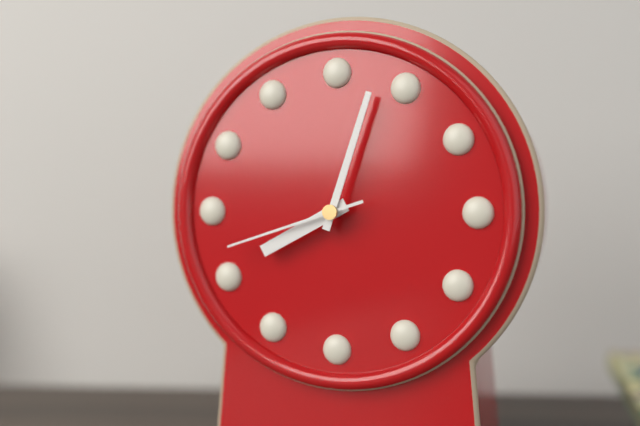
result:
8.03.42
